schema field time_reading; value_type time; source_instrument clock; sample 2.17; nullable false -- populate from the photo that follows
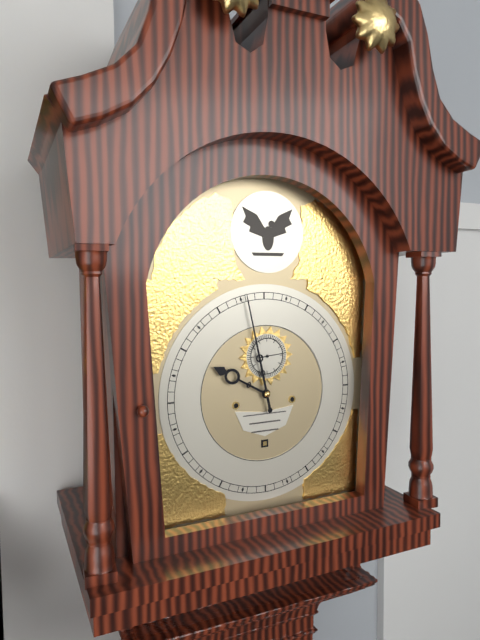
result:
9.58
